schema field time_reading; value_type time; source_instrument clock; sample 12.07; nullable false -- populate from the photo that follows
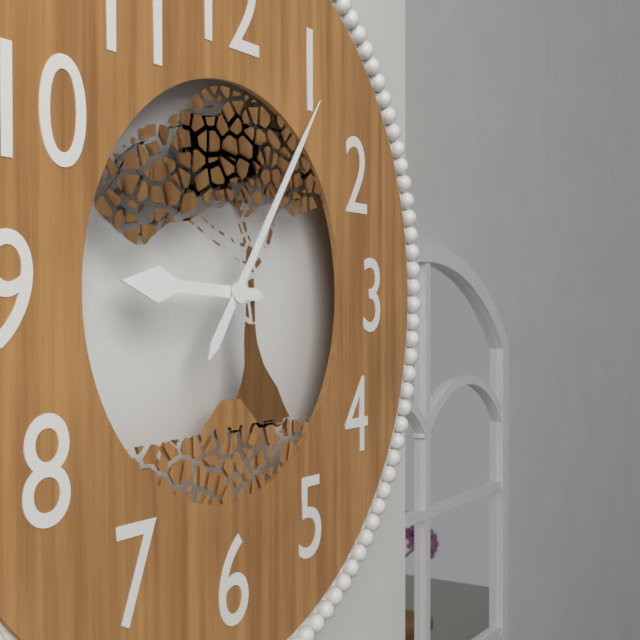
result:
9.06
